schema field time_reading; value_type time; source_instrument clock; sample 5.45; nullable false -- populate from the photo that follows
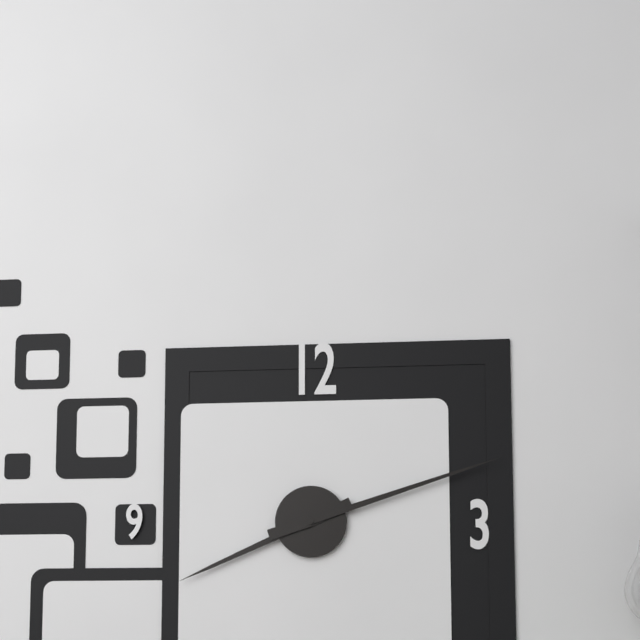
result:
8.12
